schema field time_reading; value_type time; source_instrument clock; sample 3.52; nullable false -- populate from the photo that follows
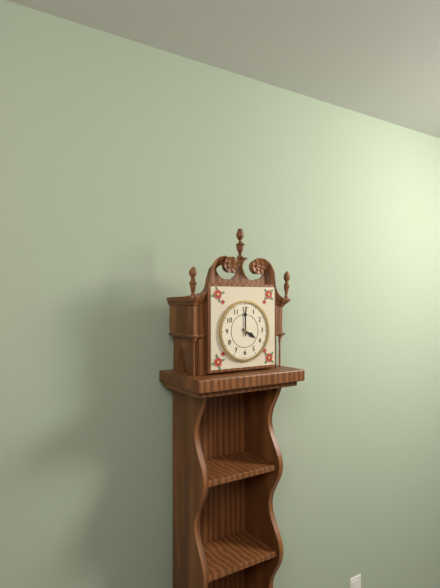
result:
4.00
